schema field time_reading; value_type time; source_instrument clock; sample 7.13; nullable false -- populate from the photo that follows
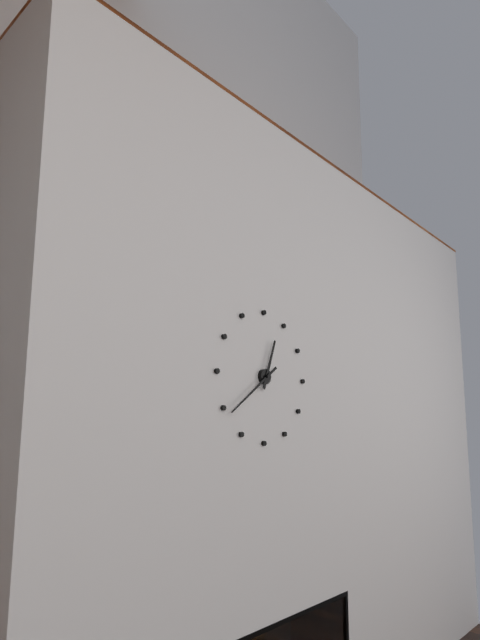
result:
12.39
